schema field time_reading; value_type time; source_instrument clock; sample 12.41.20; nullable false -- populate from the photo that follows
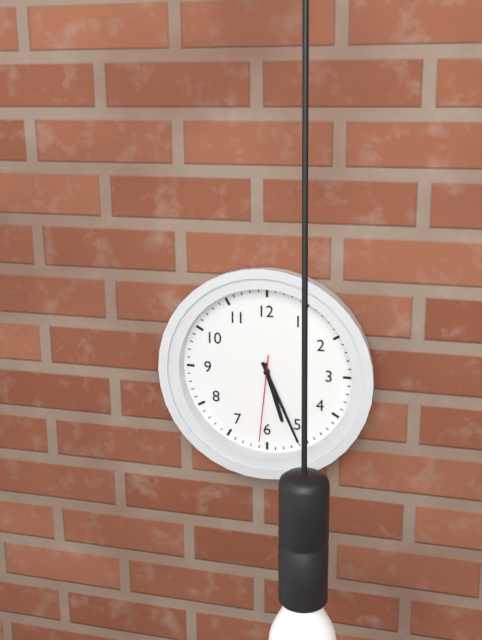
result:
5.26.31
